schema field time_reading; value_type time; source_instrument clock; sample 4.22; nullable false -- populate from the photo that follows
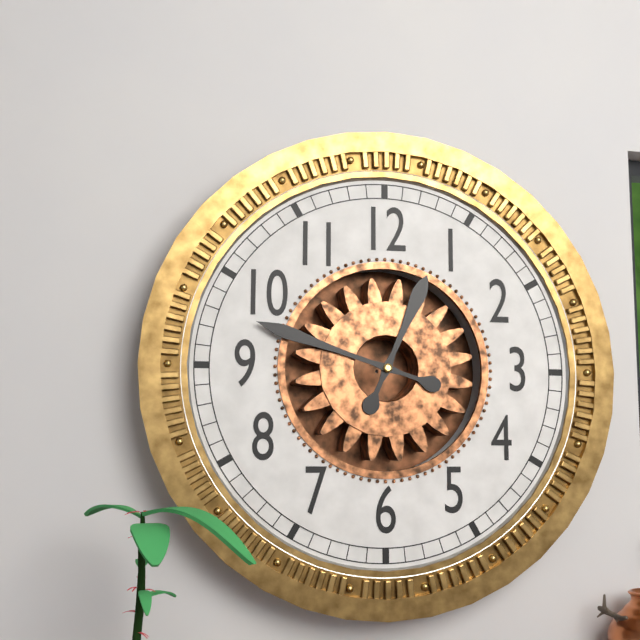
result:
12.48
